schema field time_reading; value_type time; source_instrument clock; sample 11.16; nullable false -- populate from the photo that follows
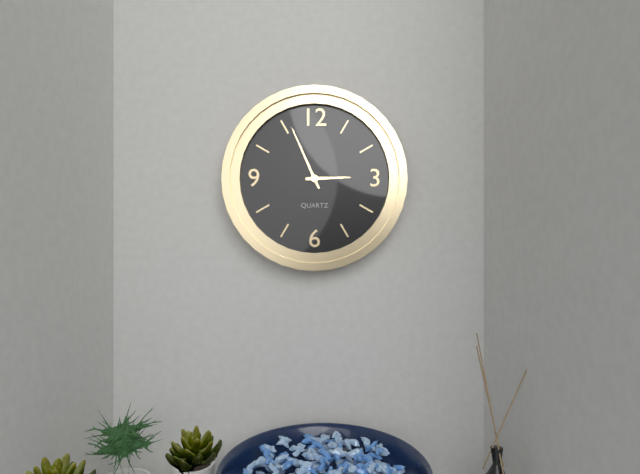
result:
2.56
